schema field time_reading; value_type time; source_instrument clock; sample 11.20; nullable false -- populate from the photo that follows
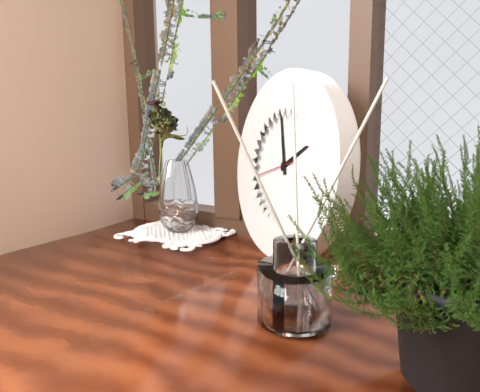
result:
1.57
